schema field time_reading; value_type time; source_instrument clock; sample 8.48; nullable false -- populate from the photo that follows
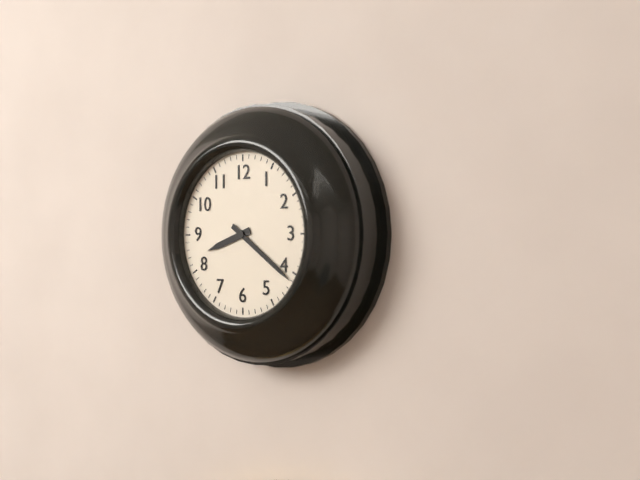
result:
8.21
